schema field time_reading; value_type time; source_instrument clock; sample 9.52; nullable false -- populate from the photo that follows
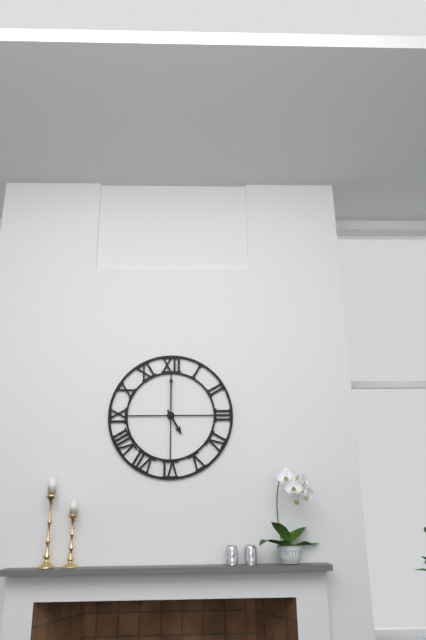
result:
5.00
